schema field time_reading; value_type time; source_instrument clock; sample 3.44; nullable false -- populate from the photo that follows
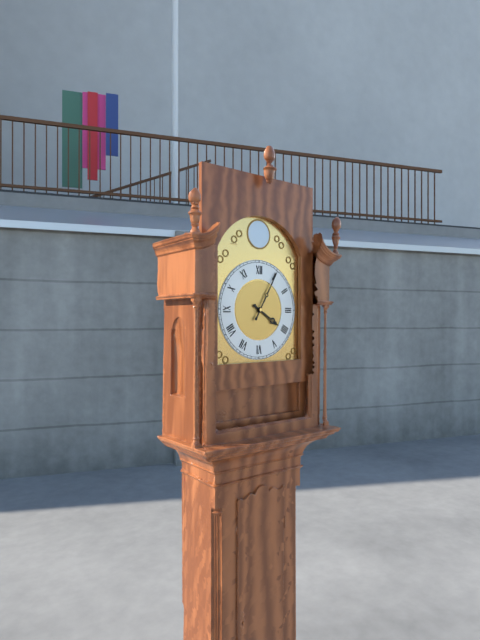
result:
4.05
